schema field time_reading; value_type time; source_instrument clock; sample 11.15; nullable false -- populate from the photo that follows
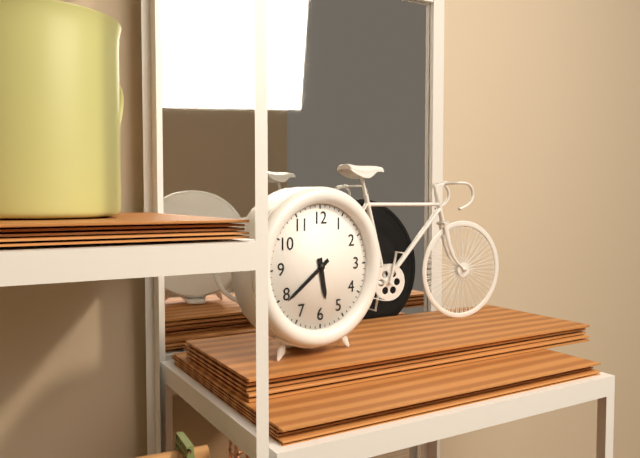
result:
5.39
